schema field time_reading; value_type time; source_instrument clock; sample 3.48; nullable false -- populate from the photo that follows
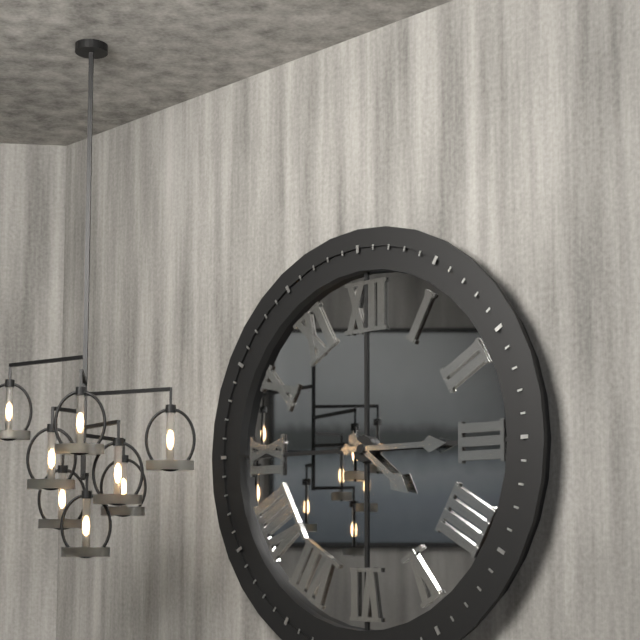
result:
4.15
